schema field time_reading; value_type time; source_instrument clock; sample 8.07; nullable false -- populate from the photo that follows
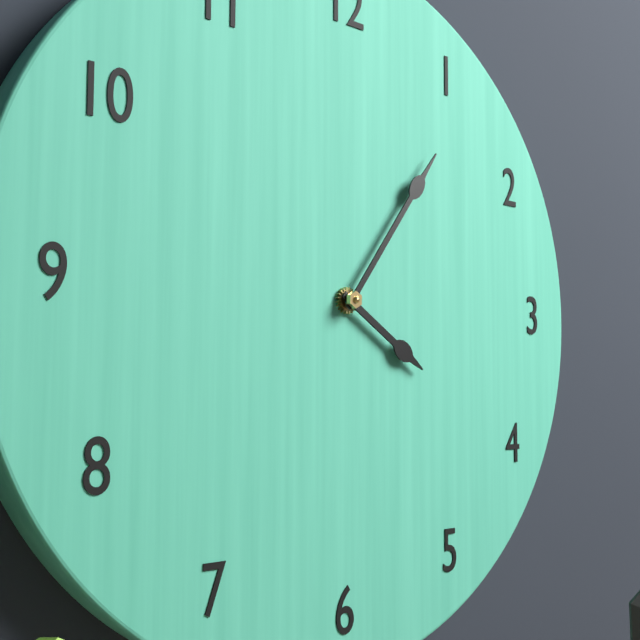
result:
4.06
